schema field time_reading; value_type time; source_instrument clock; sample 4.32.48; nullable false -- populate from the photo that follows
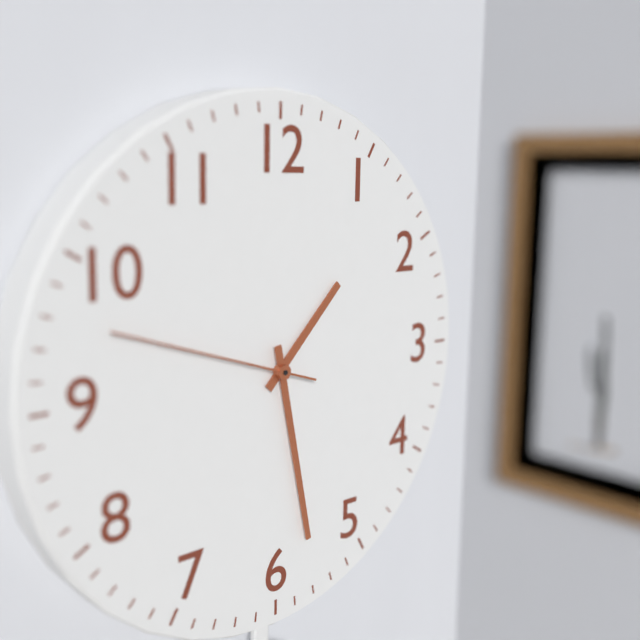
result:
1.28.48
